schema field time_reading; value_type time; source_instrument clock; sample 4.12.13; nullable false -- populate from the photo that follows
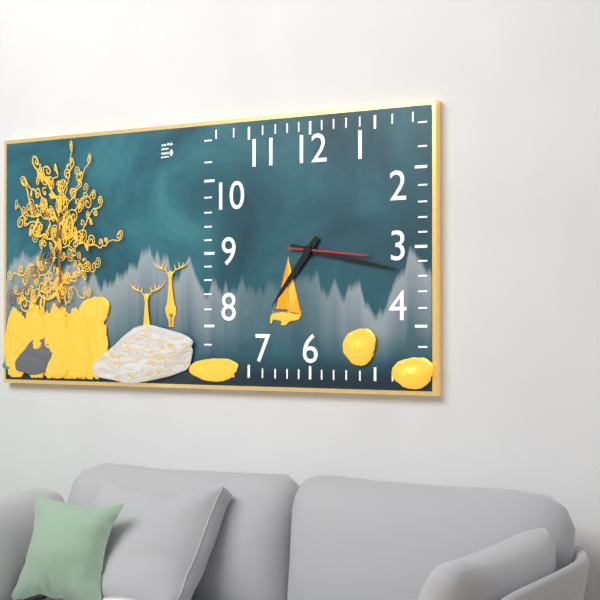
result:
7.17.16
